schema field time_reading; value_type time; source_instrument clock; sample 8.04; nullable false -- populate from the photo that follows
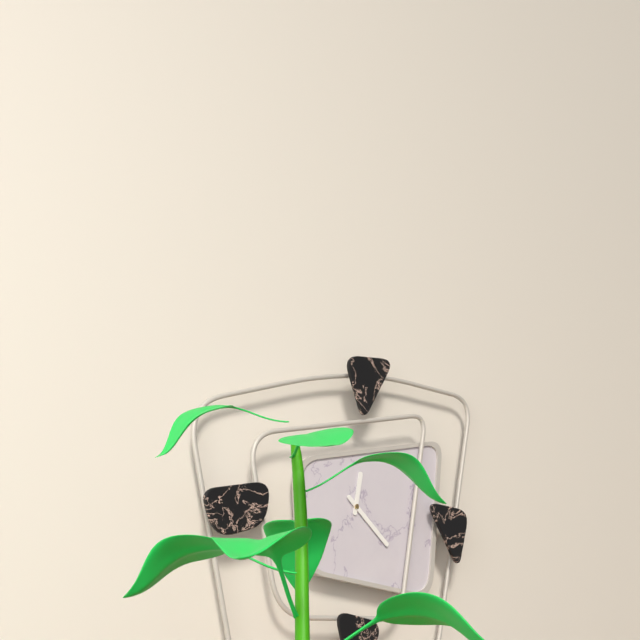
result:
12.22
